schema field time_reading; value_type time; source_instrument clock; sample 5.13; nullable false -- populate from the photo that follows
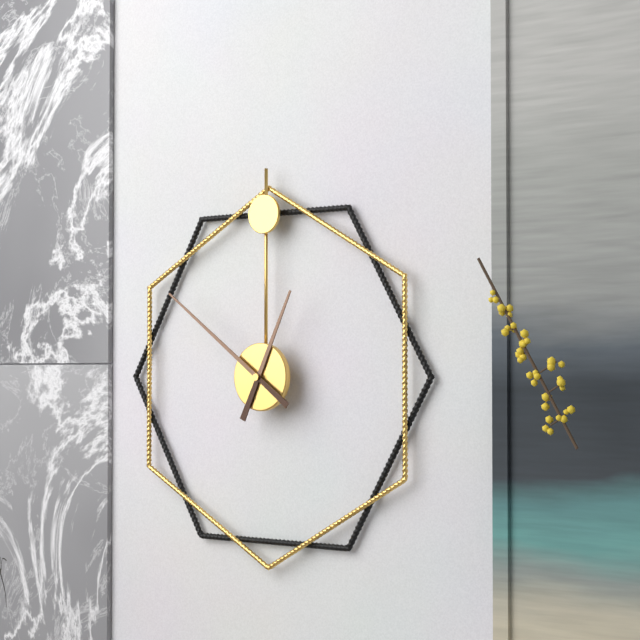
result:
12.51
